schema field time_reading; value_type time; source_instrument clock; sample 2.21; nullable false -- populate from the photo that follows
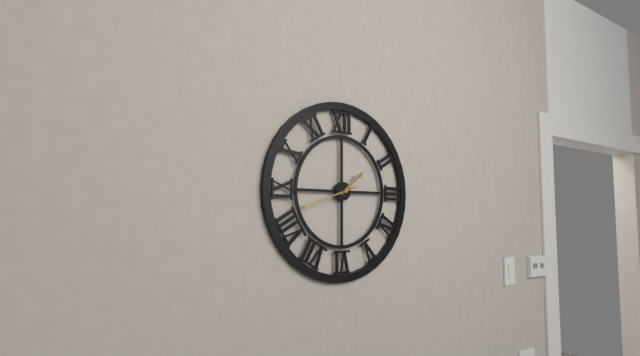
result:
1.42
